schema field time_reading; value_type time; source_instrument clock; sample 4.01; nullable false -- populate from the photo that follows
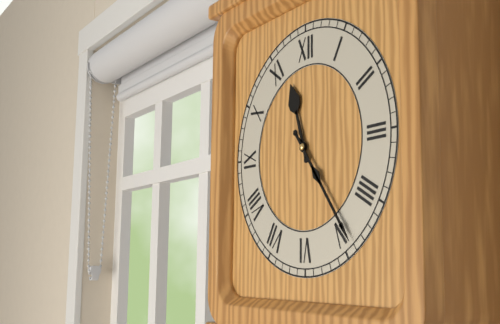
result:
11.24
